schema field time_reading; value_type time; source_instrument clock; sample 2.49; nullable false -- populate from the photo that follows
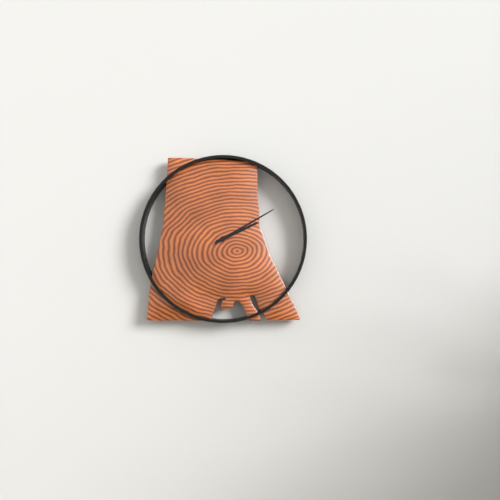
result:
2.10
